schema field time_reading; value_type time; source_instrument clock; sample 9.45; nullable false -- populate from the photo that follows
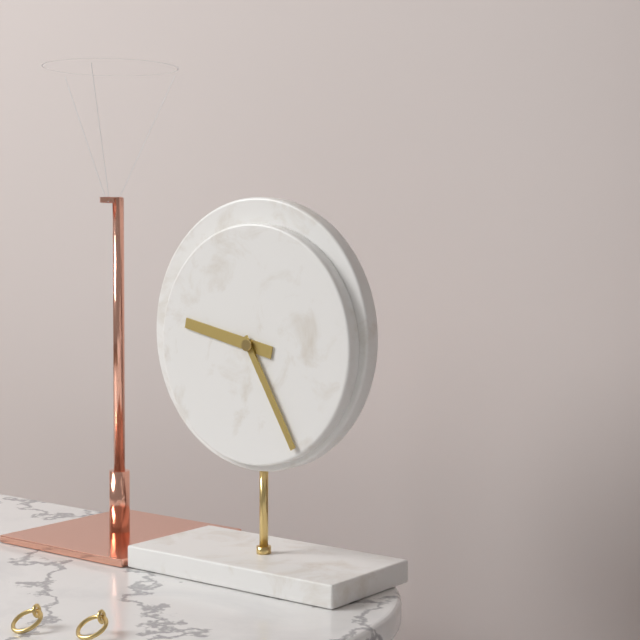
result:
9.25
